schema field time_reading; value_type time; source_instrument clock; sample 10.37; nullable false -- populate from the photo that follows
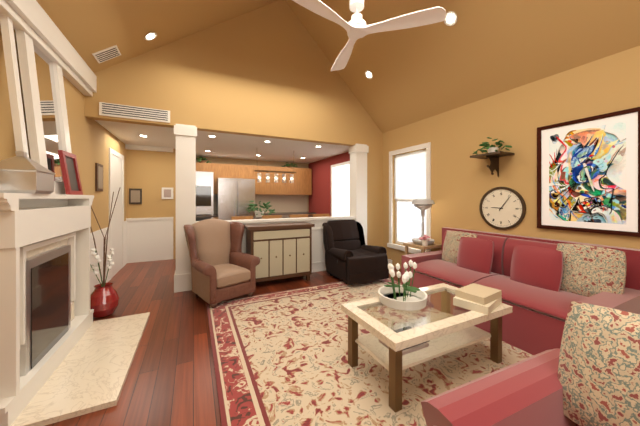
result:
9.06
